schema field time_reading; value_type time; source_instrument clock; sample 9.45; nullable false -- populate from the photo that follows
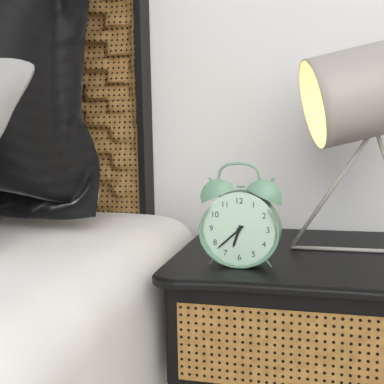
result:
6.38
